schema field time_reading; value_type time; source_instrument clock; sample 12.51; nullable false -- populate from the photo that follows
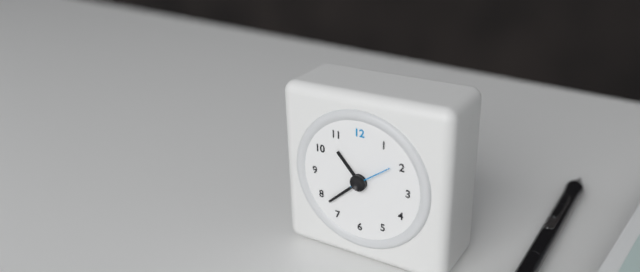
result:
10.38
